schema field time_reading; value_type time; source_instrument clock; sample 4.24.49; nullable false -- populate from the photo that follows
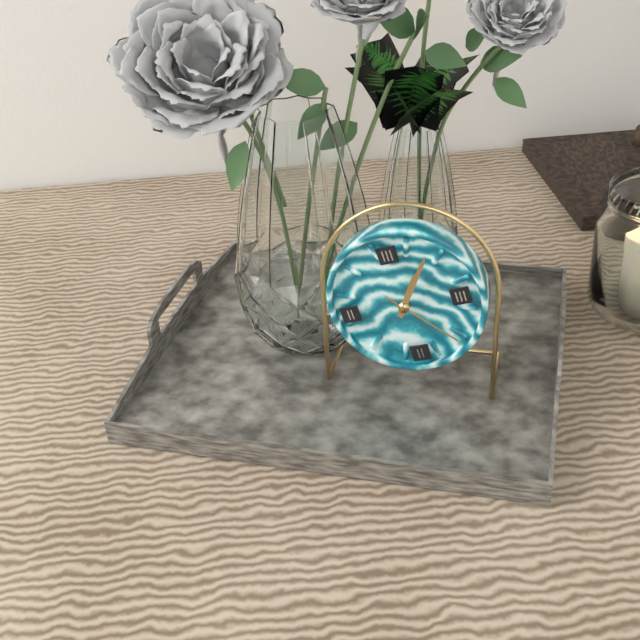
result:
1.06.23
